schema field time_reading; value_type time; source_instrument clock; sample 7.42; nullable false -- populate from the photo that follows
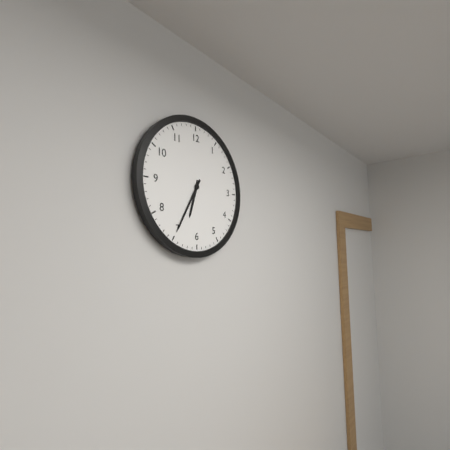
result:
6.35
